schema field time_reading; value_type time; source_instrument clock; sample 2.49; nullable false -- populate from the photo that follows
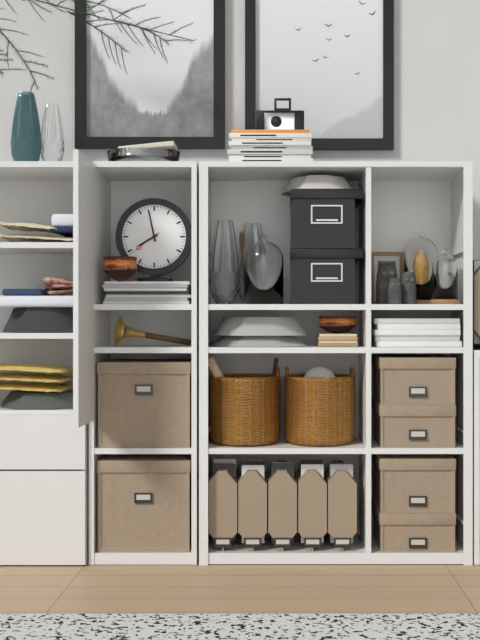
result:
7.58
